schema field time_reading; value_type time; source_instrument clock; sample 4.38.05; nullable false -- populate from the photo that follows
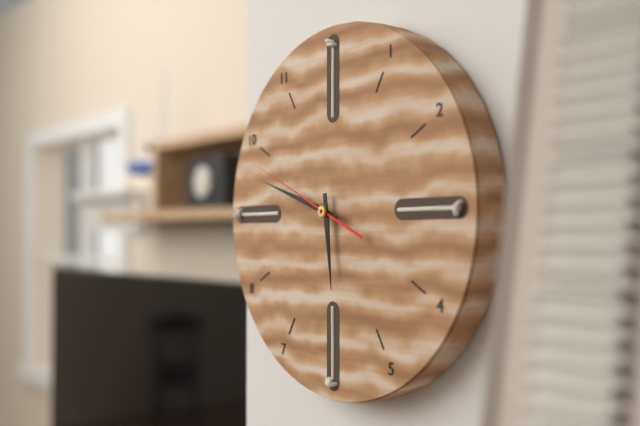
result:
5.48.49
